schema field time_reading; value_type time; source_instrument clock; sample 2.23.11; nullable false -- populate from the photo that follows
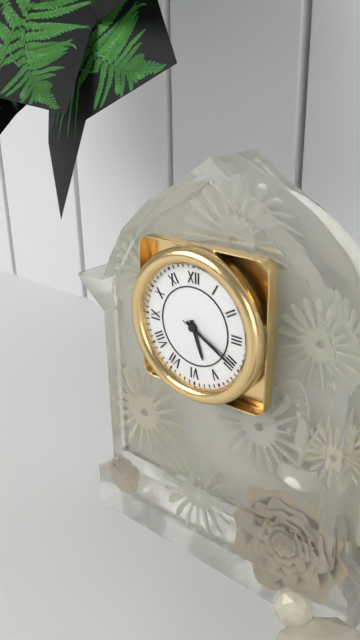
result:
5.20.19
